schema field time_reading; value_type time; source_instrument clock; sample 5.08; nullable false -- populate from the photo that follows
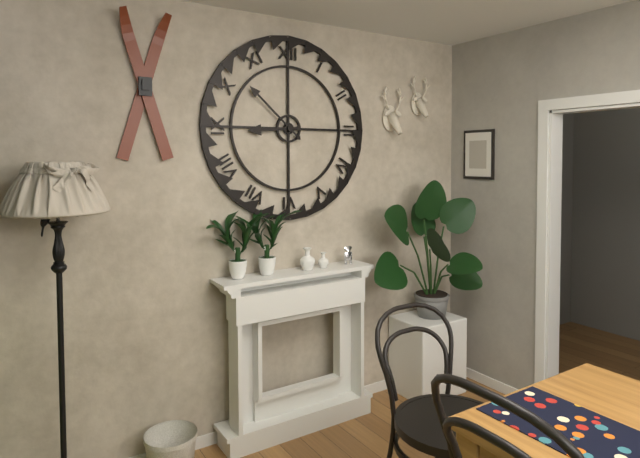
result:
8.52
